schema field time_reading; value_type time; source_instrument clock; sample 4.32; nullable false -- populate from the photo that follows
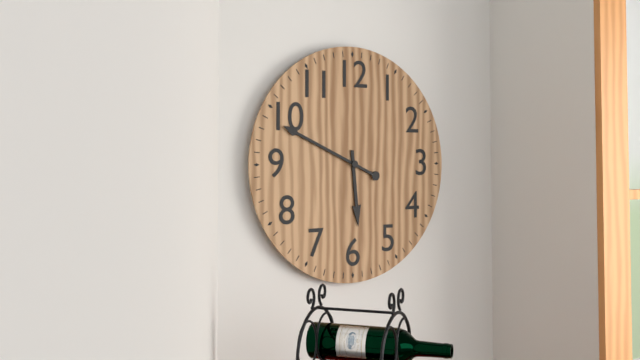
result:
5.49
